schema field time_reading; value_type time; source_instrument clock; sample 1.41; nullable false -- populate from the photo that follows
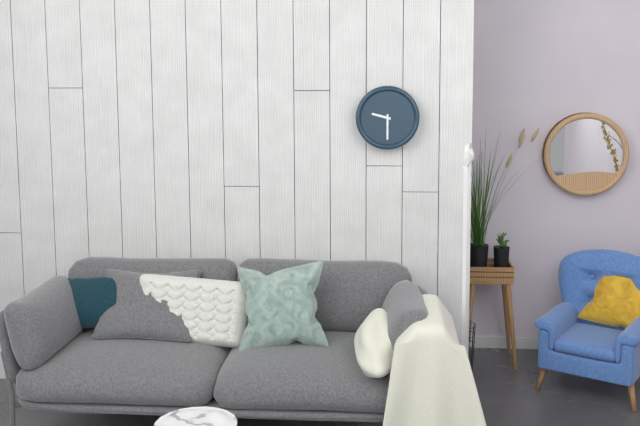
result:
9.30
